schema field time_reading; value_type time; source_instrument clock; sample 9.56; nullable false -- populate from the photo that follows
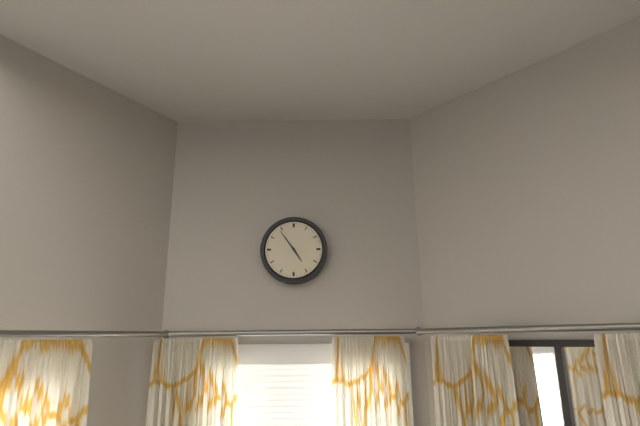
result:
4.54
